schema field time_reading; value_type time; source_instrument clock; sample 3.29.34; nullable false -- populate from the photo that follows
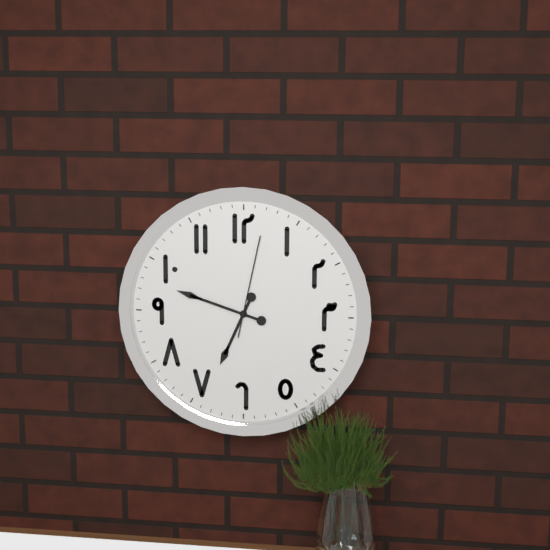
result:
6.48.02
